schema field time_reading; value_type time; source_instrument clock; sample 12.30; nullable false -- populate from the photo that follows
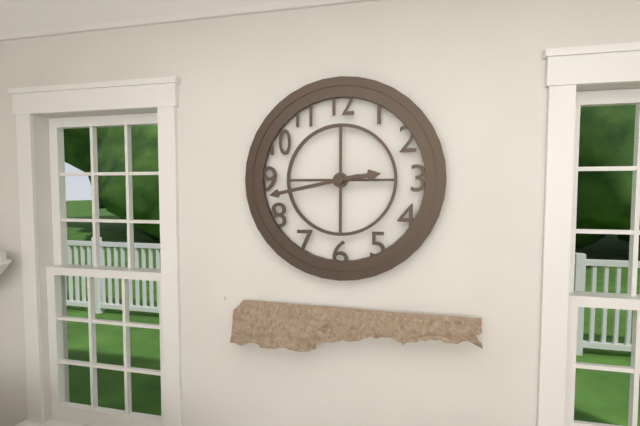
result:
2.43
